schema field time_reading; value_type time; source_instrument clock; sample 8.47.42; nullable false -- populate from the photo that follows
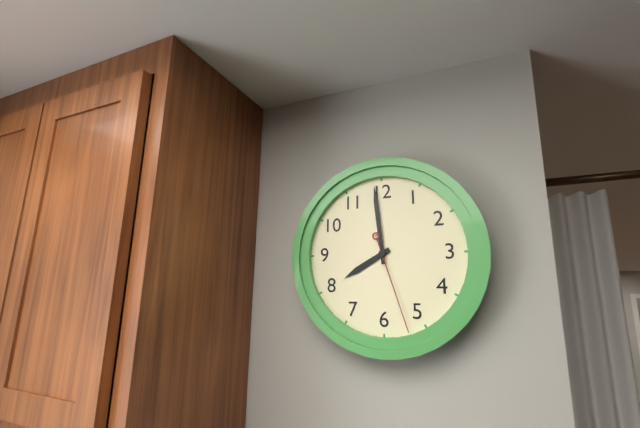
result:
7.59.27
